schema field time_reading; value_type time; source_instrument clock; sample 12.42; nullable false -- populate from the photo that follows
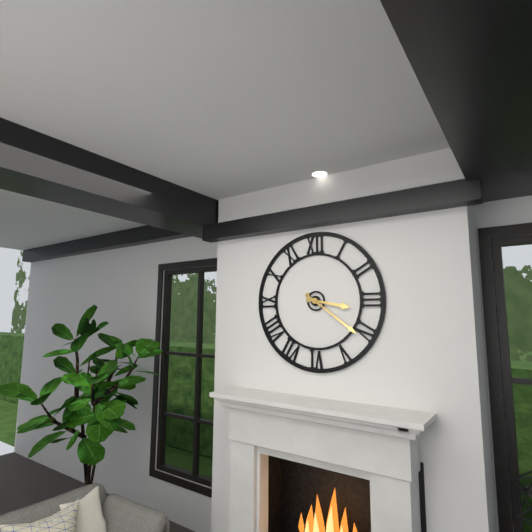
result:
3.21
